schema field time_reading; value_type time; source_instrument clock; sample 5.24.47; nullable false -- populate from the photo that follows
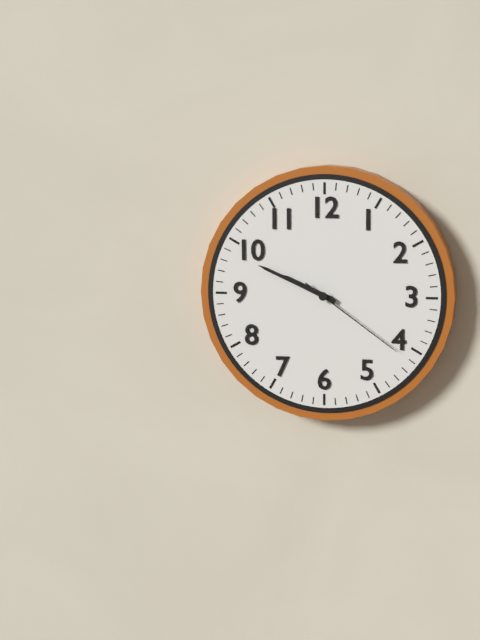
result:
9.49.21
